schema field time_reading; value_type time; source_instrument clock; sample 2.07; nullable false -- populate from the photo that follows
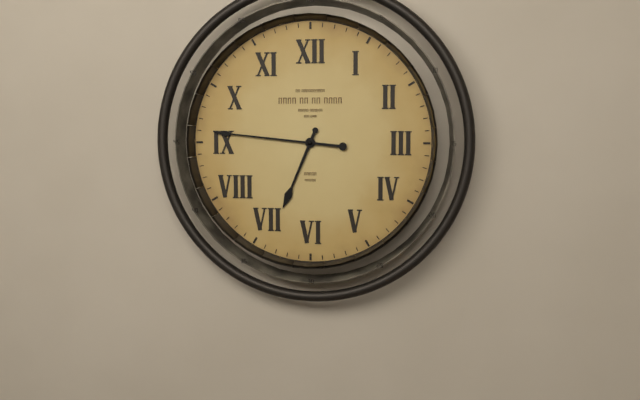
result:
6.46
